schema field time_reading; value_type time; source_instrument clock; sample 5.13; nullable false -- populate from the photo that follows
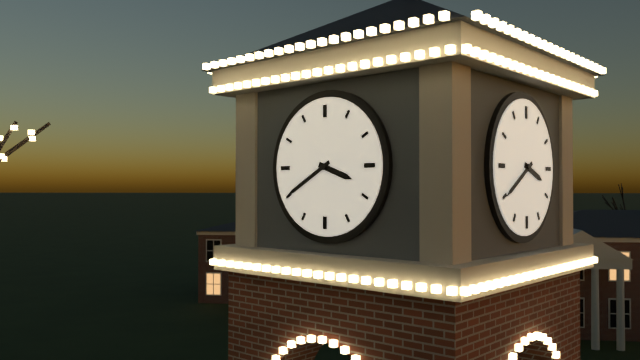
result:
3.40
